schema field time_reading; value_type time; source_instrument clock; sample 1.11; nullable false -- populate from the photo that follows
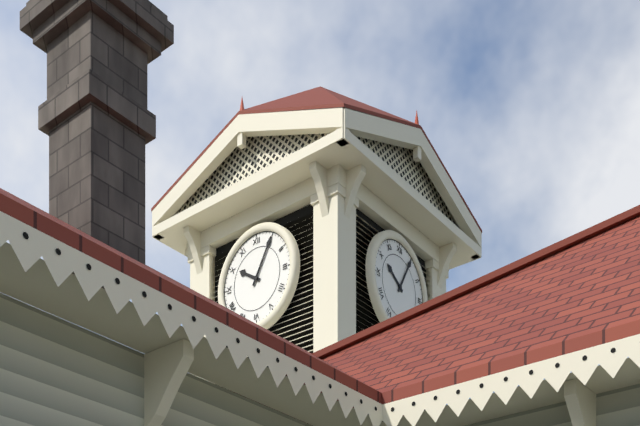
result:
10.05
